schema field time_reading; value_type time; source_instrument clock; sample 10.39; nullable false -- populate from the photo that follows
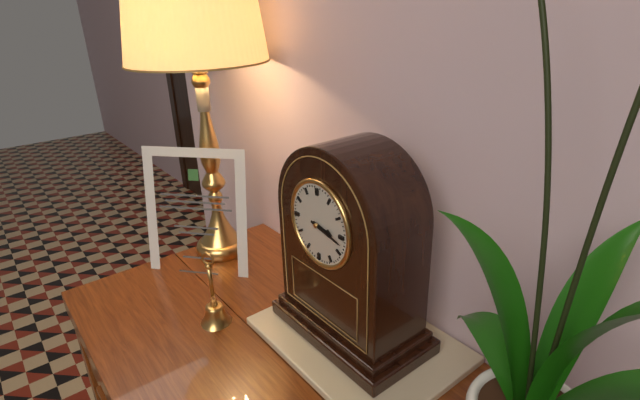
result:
3.17
